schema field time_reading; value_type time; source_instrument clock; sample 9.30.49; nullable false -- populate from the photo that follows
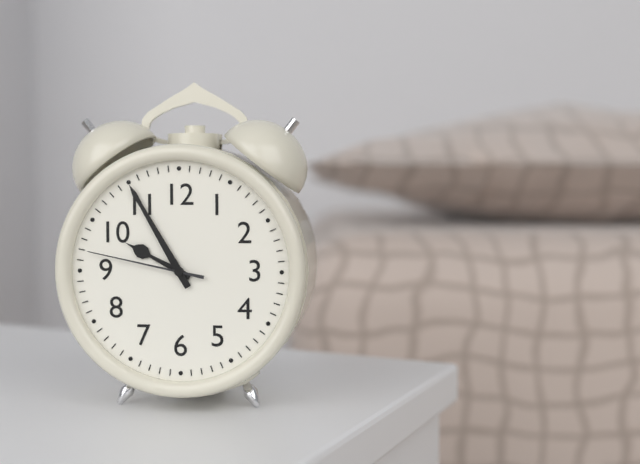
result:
9.55.47
